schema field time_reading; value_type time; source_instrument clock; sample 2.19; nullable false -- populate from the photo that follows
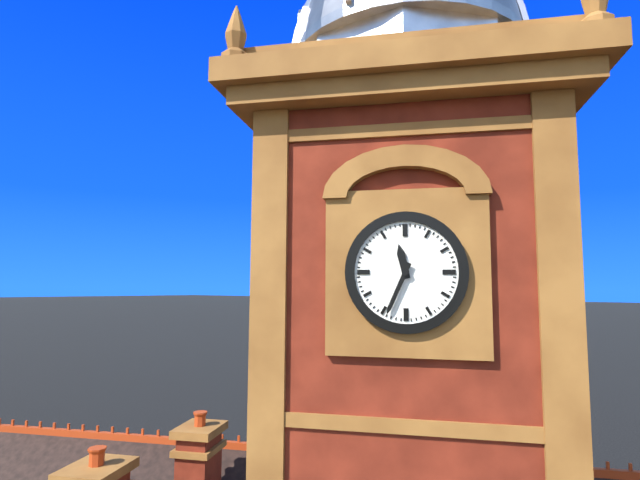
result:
11.34
